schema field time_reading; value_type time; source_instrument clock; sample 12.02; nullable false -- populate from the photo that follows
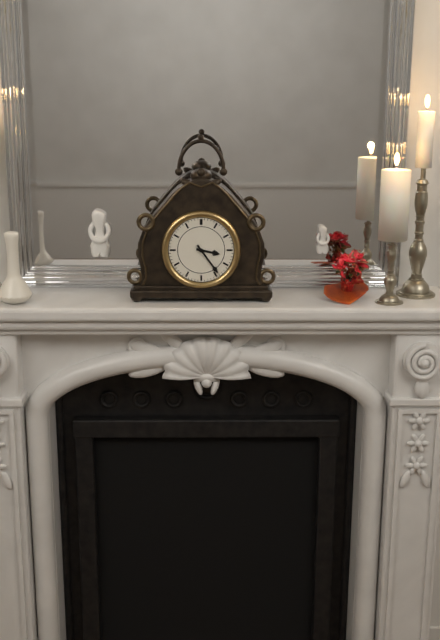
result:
3.24
